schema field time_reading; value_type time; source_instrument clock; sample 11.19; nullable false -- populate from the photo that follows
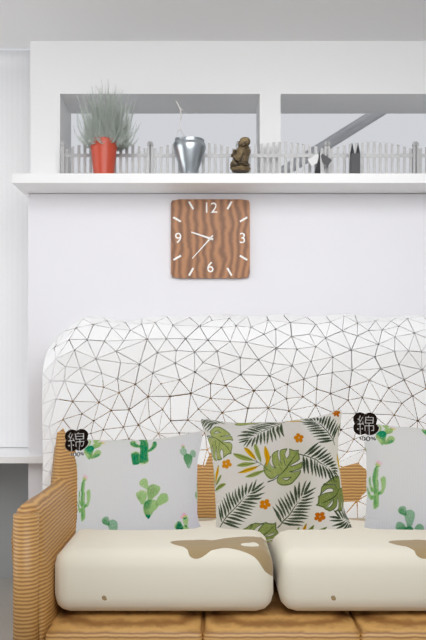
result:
9.37
